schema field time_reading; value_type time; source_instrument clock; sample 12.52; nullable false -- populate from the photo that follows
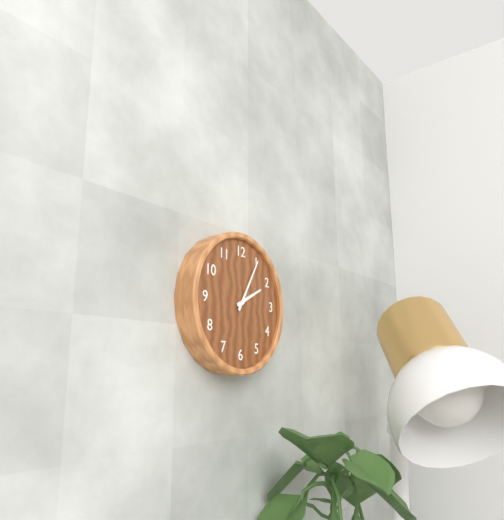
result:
2.05
